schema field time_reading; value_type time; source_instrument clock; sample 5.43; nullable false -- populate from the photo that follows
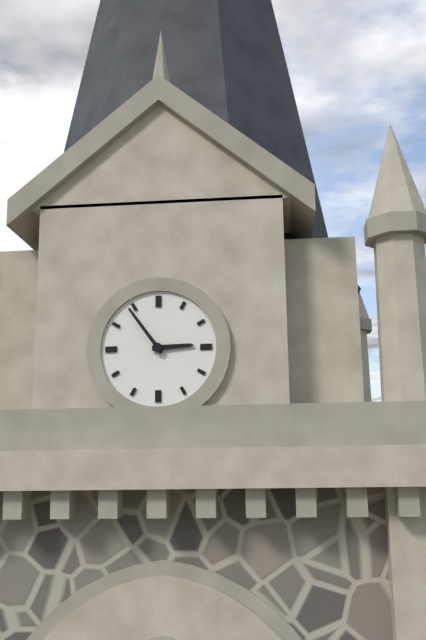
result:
2.54
